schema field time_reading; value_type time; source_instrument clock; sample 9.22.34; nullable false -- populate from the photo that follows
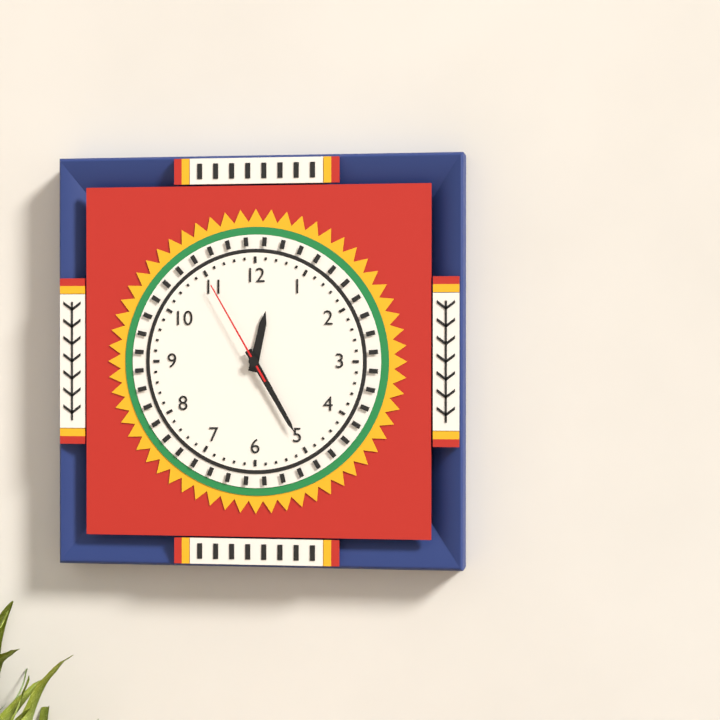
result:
12.25.55
